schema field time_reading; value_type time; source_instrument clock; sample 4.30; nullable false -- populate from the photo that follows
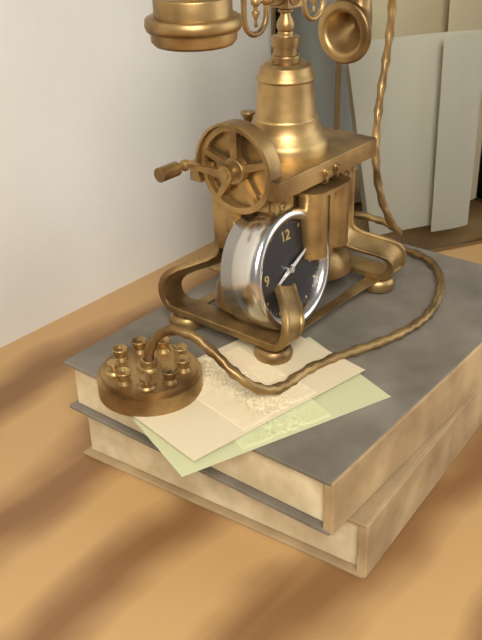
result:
8.11
